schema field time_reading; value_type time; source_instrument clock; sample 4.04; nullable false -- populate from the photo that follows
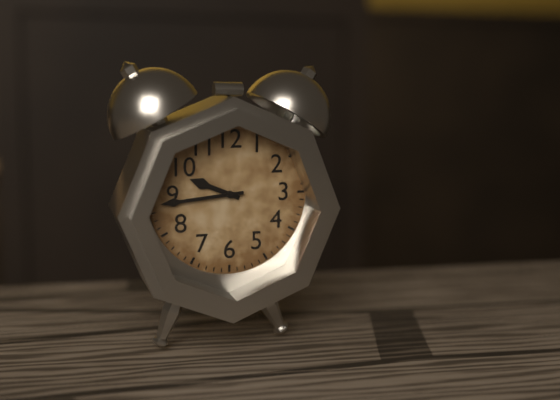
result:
9.44
